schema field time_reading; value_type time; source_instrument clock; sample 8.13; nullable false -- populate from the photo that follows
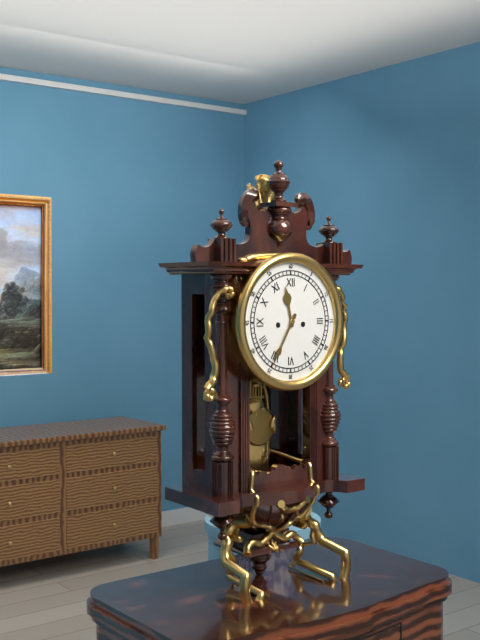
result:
11.35
